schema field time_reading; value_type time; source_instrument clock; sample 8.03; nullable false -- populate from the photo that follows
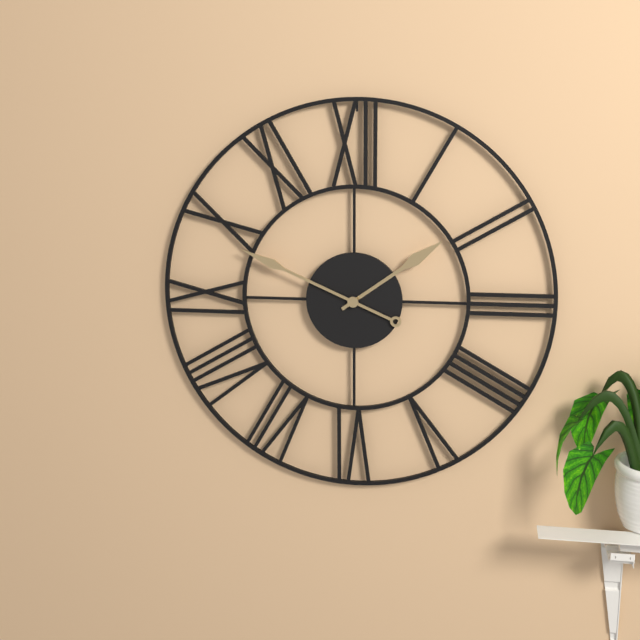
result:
1.49
